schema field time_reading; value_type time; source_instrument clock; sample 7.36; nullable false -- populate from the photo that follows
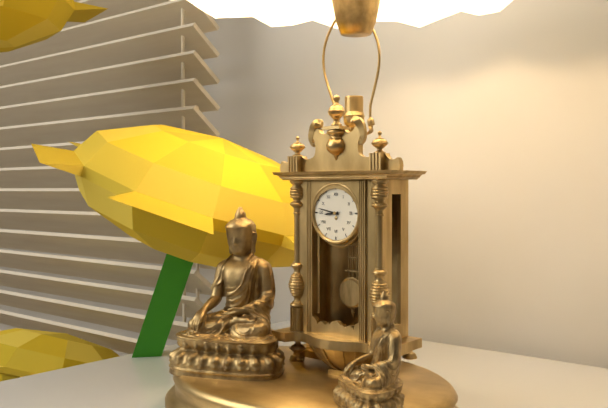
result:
8.47
